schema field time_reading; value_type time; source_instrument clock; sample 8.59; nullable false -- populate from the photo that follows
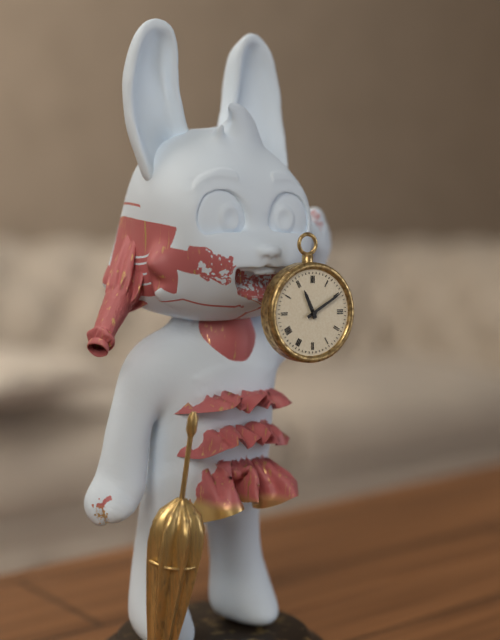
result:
11.10
